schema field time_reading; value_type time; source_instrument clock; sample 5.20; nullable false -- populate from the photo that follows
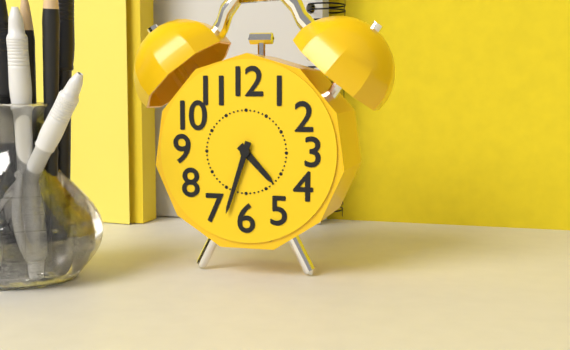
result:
4.33
